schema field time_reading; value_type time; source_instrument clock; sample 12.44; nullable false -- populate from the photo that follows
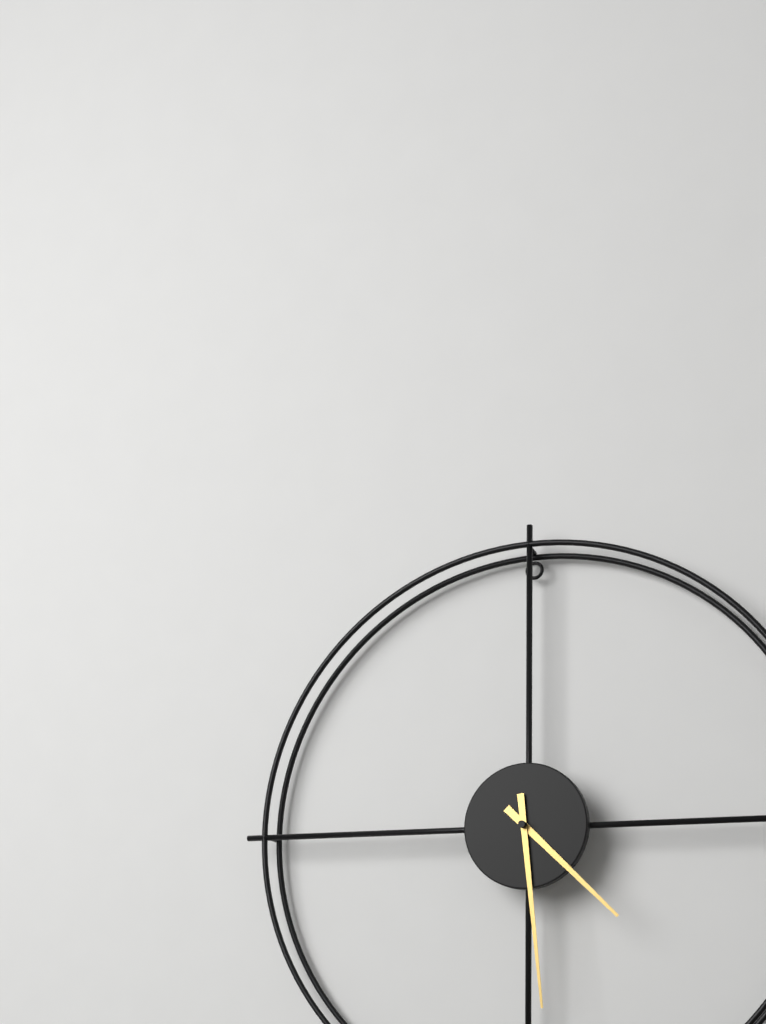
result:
4.29
